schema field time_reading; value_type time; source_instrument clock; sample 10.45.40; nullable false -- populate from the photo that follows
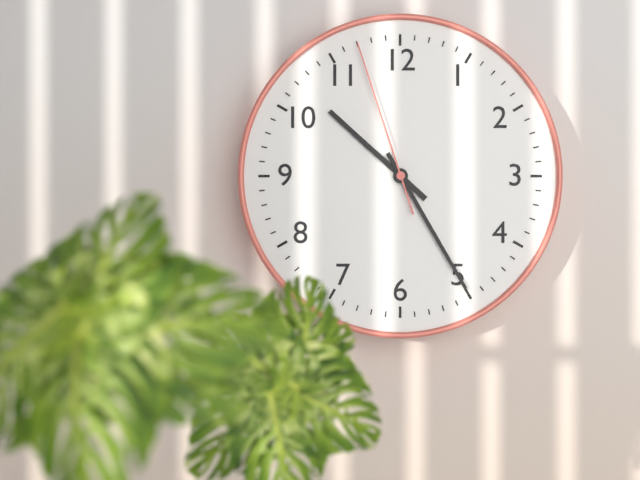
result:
10.25.57
